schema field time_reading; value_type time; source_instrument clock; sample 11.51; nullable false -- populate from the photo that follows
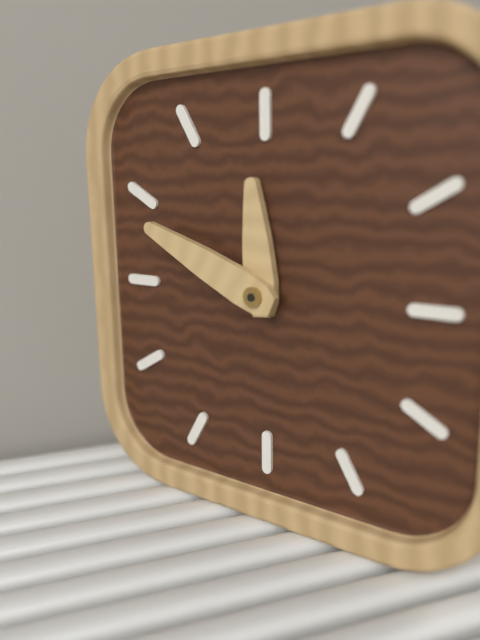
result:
11.49
